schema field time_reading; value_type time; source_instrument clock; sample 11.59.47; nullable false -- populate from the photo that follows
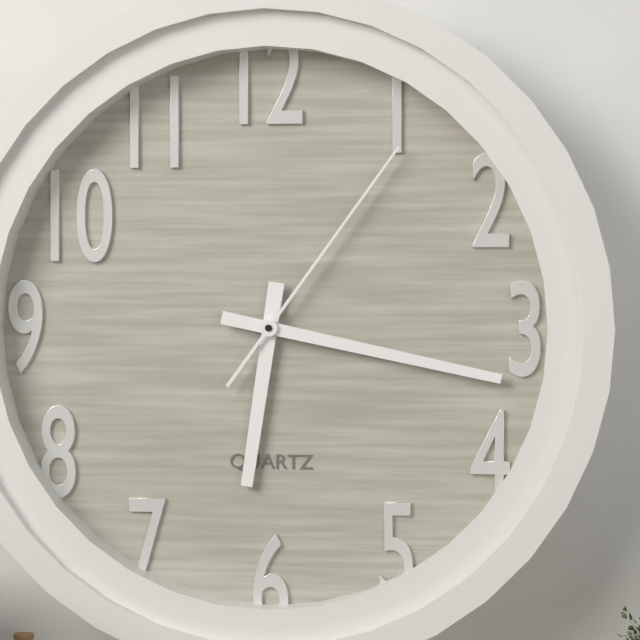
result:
6.17.06
